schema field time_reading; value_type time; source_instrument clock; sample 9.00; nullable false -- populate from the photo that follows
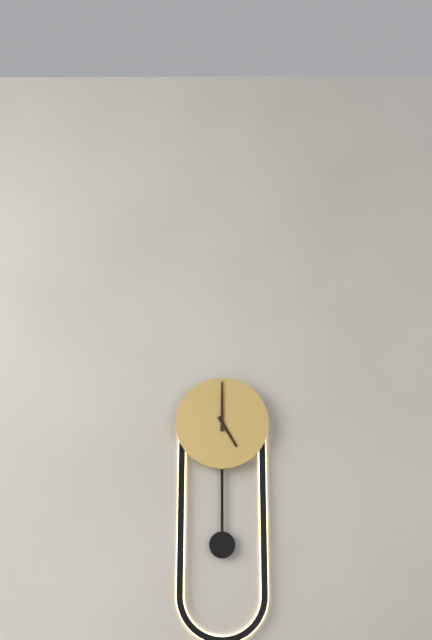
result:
5.00
